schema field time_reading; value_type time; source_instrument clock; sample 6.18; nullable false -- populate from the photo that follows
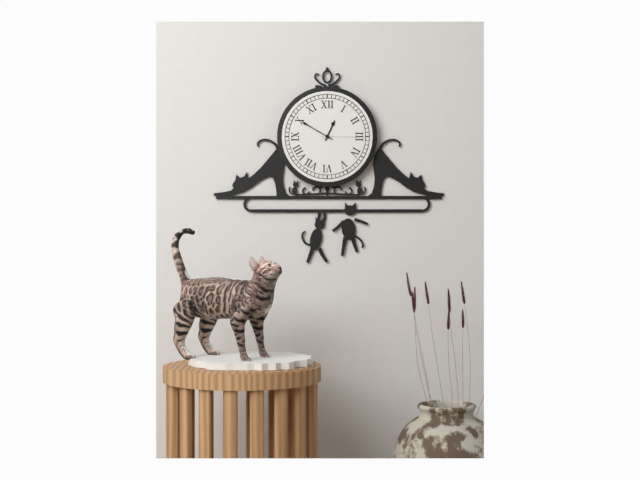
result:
12.50
